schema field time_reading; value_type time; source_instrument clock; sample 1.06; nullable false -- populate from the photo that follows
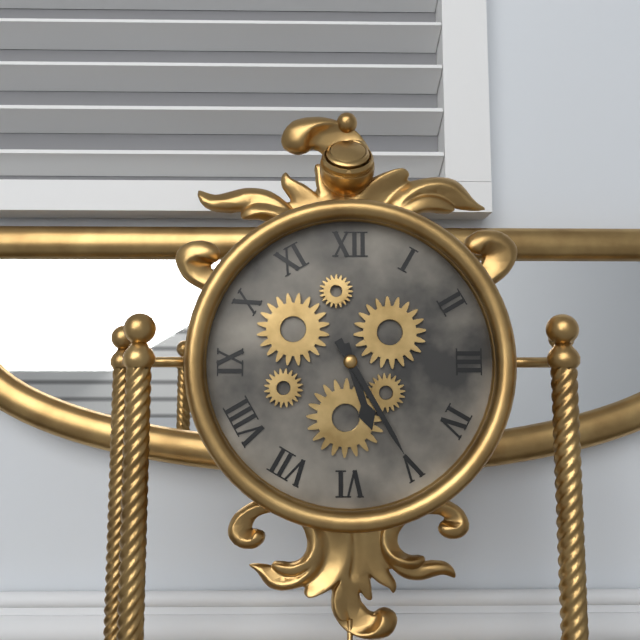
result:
5.25
